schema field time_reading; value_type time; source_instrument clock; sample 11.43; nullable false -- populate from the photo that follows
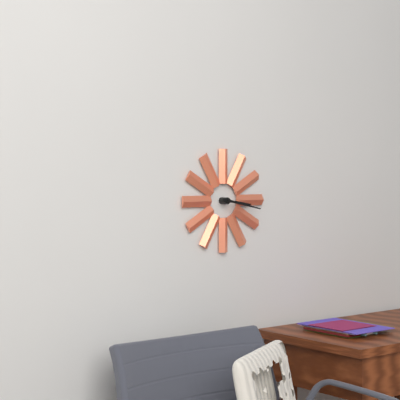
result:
3.17
